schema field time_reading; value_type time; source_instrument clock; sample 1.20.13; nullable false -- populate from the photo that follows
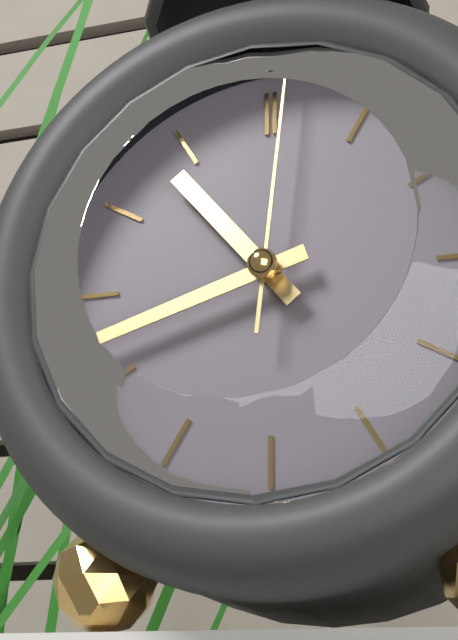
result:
10.42.01
